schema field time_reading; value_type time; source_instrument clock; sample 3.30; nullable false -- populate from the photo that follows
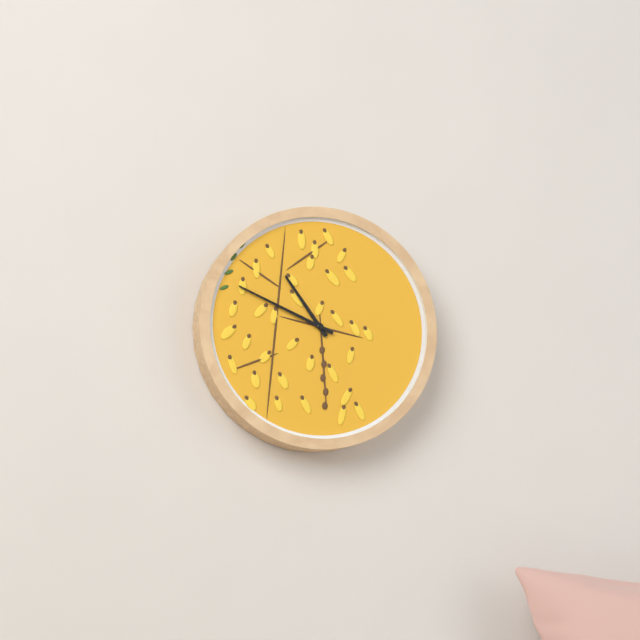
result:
10.49
